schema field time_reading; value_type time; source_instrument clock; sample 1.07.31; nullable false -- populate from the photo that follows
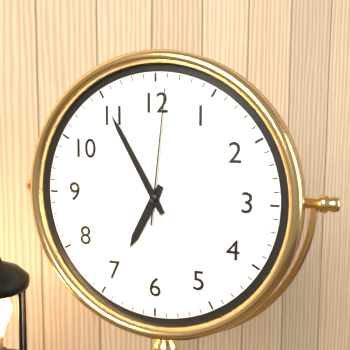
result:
6.55.01
